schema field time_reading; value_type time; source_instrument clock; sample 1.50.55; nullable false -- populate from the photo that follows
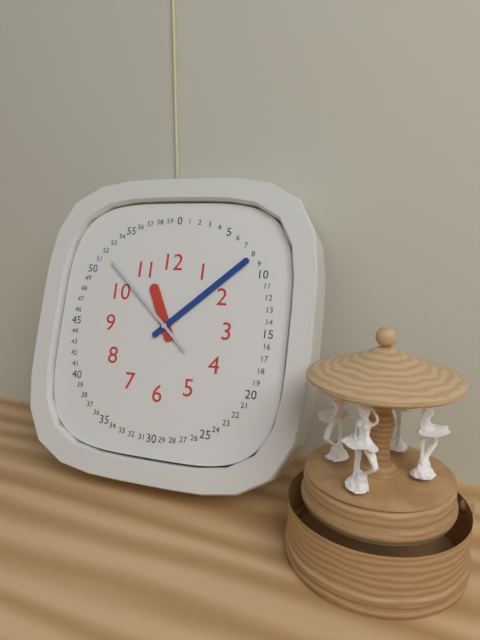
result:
11.08.52
